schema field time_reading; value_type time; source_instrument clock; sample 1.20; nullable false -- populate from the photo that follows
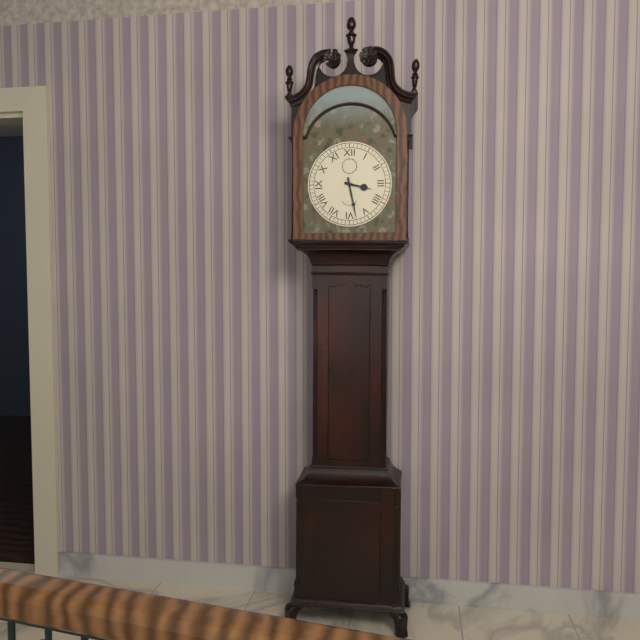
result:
3.28
